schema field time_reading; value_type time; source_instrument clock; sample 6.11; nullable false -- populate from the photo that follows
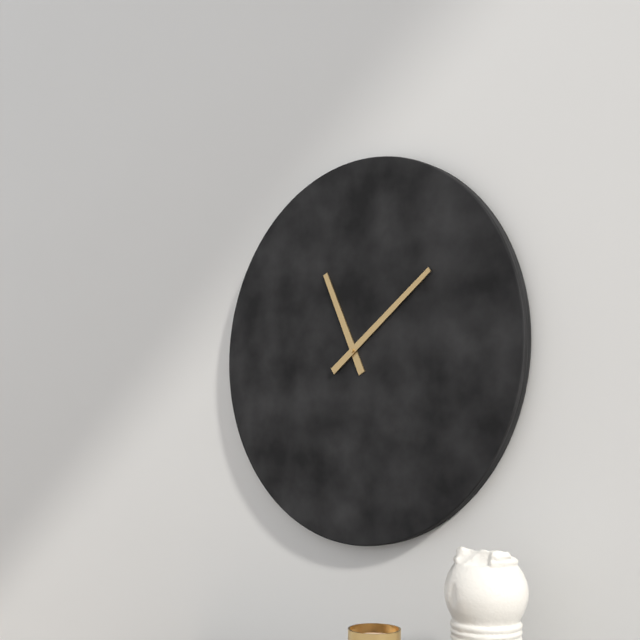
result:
11.09
